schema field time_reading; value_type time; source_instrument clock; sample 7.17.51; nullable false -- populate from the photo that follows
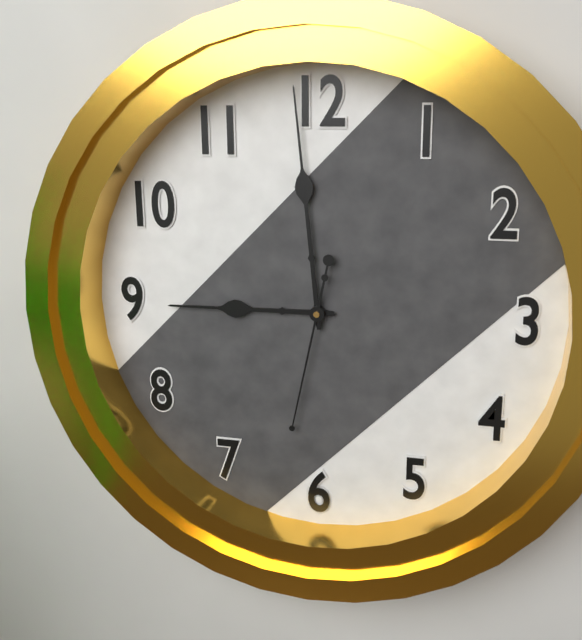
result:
8.59.32
